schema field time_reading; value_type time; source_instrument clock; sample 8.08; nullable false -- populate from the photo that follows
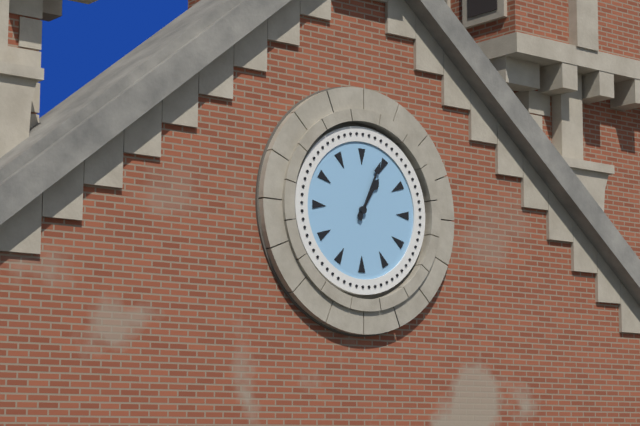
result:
1.04
